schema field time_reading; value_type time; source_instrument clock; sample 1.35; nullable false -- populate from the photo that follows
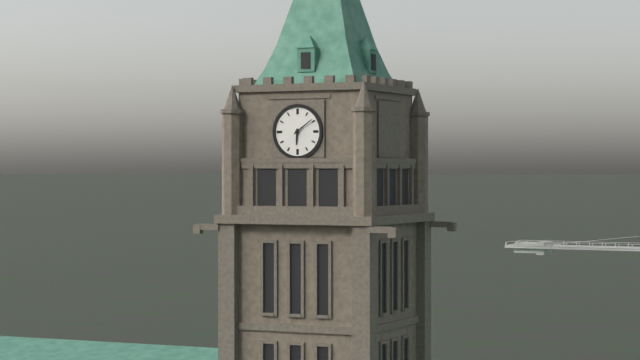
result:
6.09
